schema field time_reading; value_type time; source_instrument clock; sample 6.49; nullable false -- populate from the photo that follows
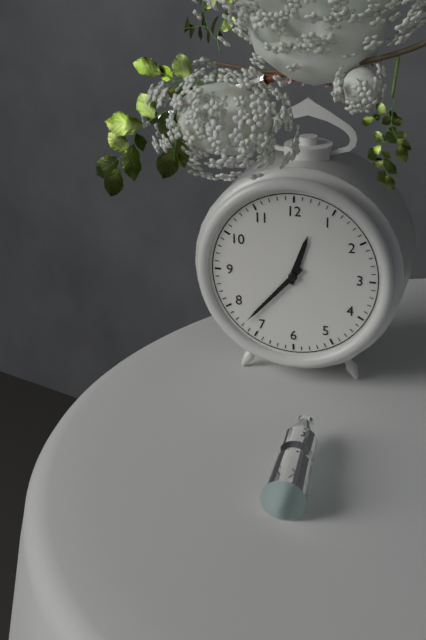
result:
12.37
